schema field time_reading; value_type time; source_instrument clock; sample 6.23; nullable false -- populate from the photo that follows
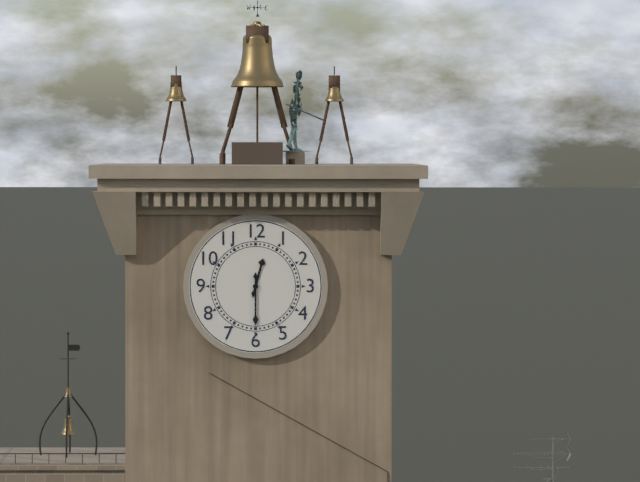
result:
12.30
